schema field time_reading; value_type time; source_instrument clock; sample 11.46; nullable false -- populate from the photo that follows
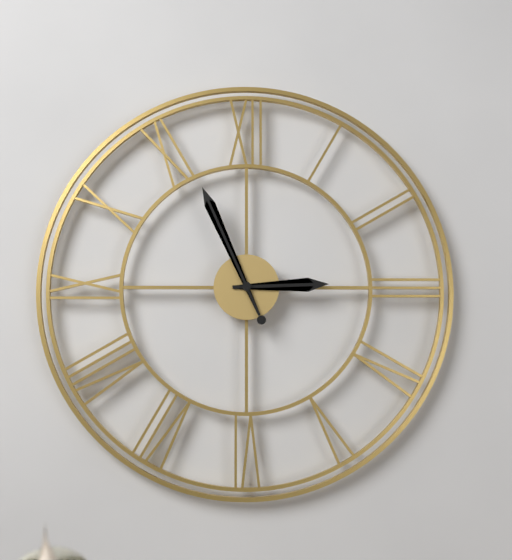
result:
2.56
